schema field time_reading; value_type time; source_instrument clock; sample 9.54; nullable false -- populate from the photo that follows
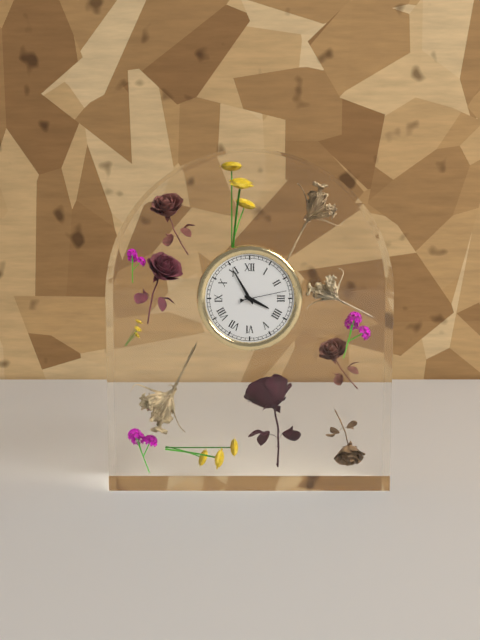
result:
3.55
